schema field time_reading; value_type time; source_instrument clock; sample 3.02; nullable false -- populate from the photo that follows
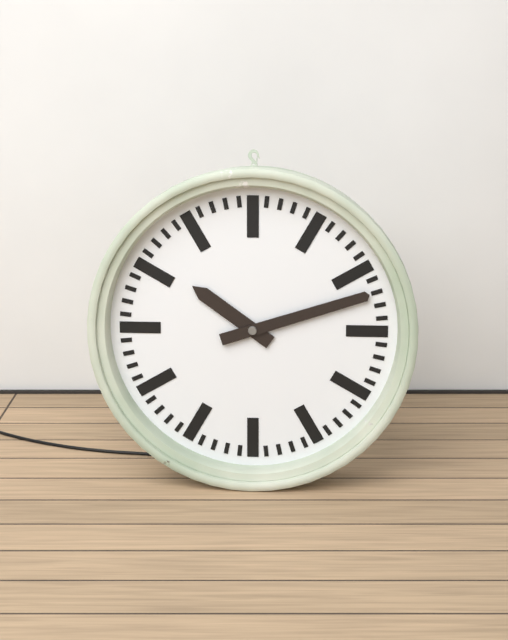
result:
10.12
